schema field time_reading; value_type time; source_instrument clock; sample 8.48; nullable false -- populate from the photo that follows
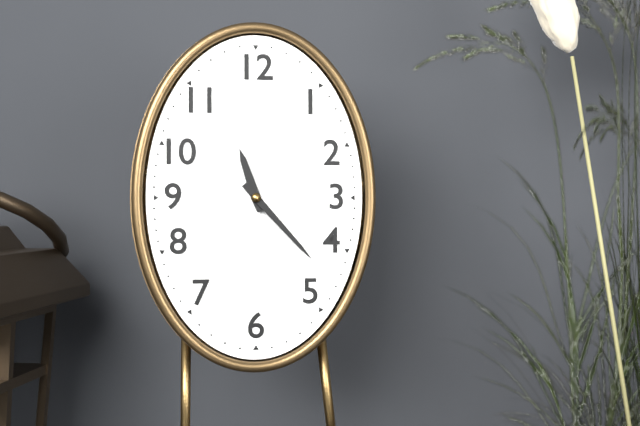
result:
11.23
